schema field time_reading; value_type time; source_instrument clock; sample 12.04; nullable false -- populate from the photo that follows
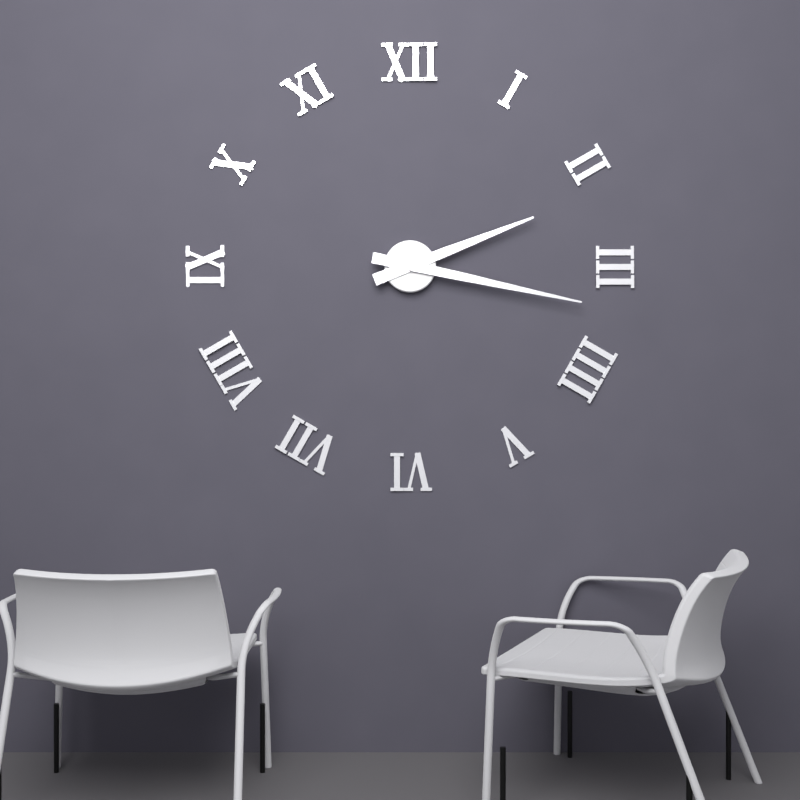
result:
2.17
